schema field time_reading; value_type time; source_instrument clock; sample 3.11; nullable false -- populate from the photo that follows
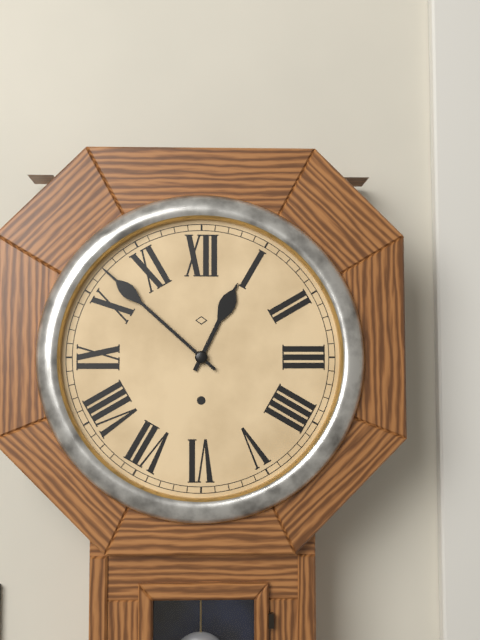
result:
12.52
